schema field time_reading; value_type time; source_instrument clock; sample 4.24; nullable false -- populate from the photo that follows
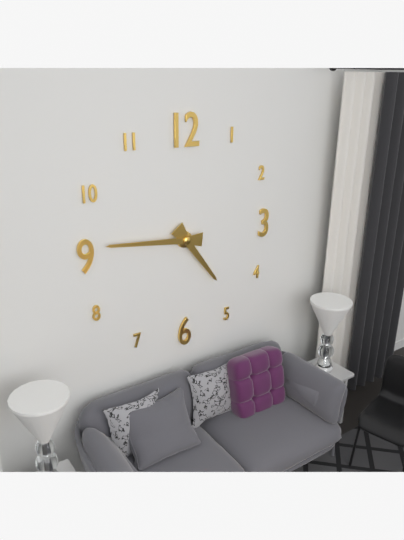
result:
4.46
